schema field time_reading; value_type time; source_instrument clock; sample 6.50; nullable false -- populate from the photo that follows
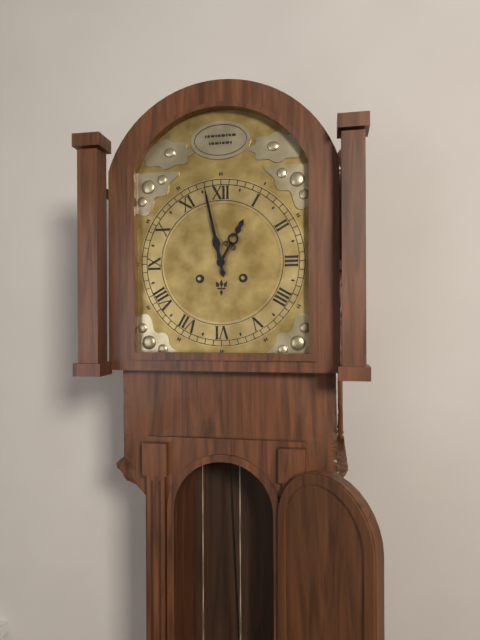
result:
12.58
